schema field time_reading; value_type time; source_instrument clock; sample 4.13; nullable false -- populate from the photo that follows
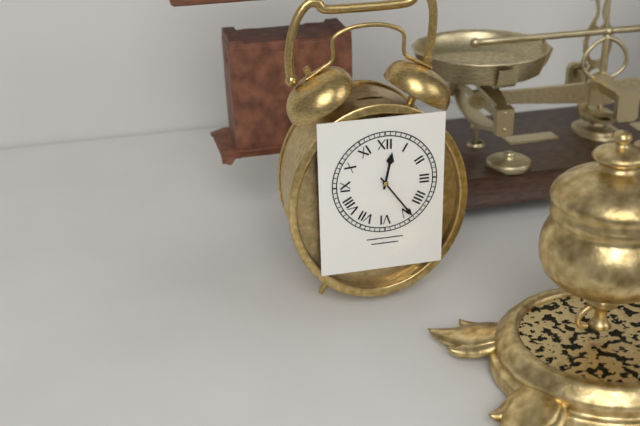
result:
12.24
